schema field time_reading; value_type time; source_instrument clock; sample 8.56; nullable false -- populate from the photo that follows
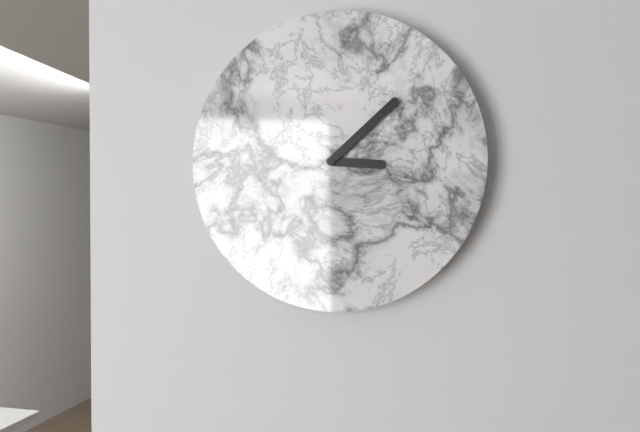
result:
3.08
